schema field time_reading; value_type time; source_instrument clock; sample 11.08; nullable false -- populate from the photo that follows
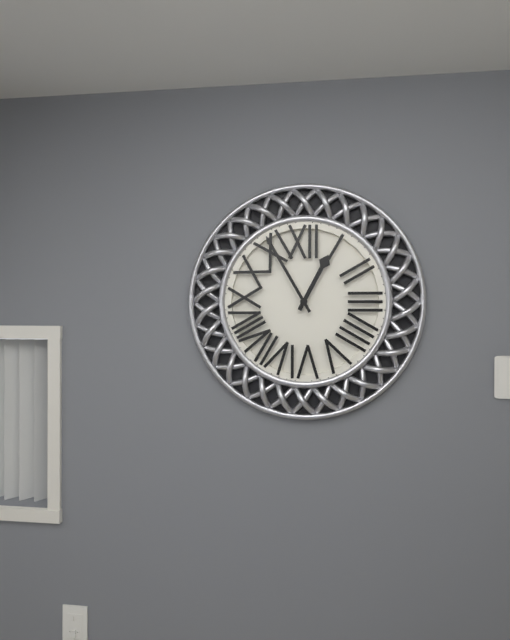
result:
12.55
